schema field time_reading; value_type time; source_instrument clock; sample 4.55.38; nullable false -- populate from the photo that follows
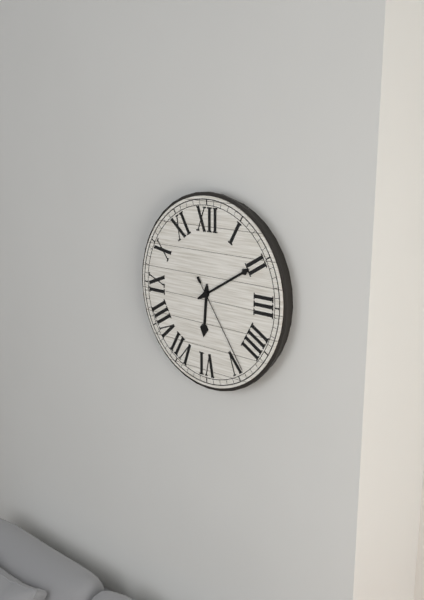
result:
6.10.24
